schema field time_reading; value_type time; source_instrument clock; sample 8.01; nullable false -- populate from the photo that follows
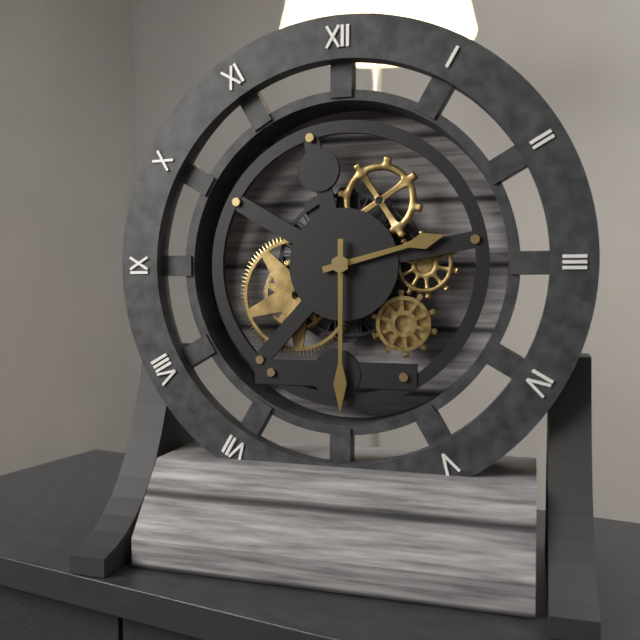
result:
2.30
